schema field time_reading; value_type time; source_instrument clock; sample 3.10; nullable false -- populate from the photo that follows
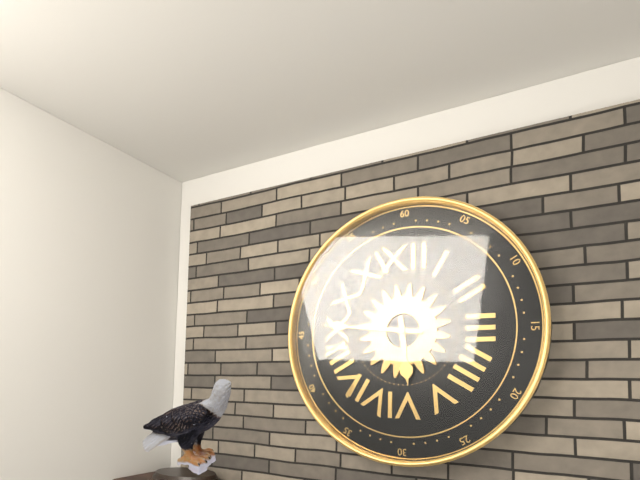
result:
5.46
